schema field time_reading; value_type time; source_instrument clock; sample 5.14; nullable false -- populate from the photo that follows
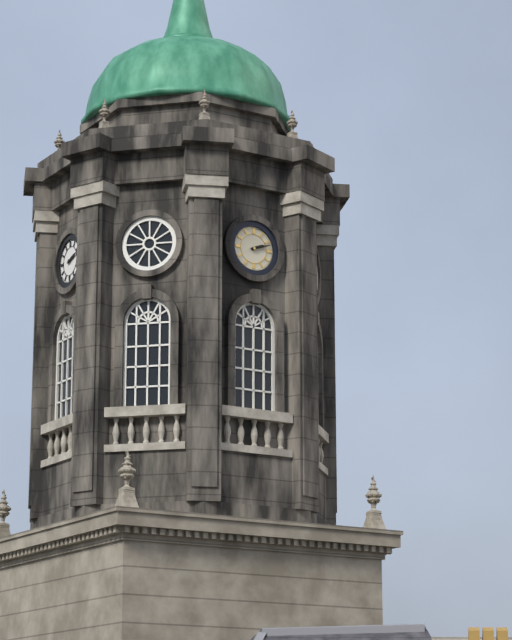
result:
2.12
